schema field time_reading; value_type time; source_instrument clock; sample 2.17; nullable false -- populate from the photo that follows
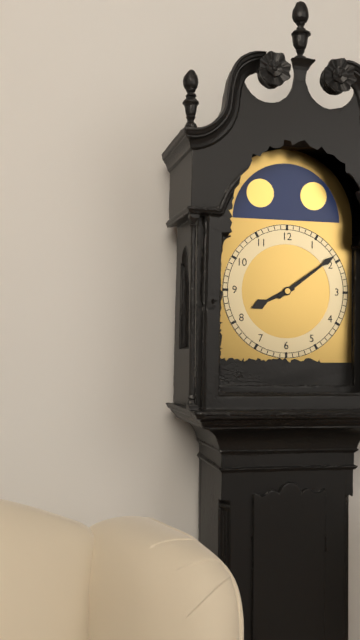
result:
8.09
